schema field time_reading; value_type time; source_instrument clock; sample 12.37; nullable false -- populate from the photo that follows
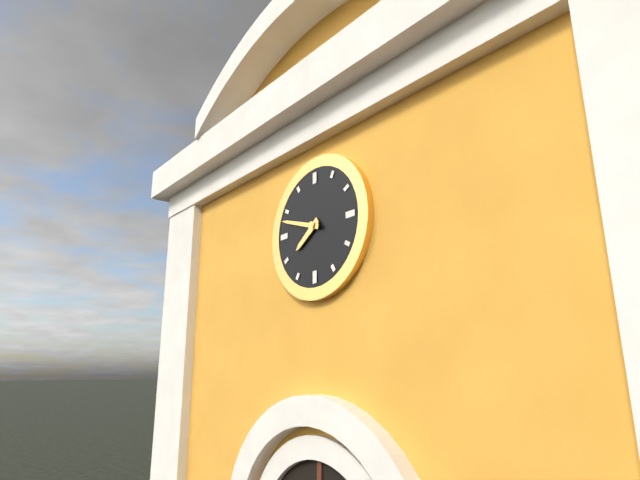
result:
7.48
